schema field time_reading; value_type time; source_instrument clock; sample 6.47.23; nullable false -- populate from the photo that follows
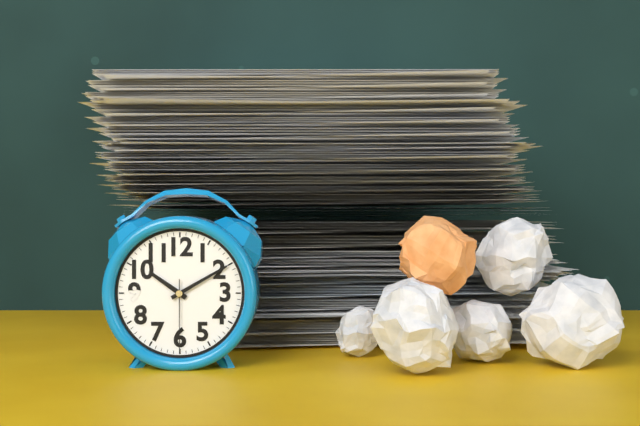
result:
10.10.30
